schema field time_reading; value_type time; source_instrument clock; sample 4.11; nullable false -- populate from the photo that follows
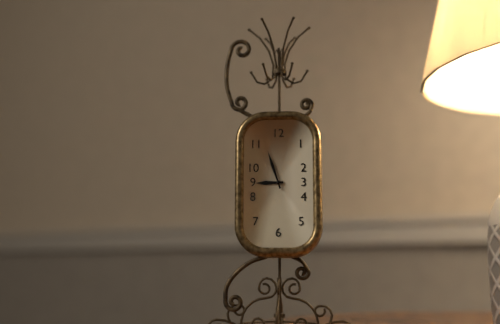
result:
8.57
